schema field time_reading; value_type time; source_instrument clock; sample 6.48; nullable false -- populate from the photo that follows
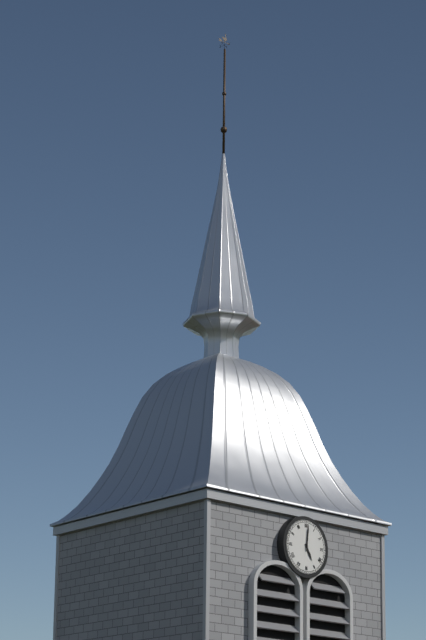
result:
5.01
